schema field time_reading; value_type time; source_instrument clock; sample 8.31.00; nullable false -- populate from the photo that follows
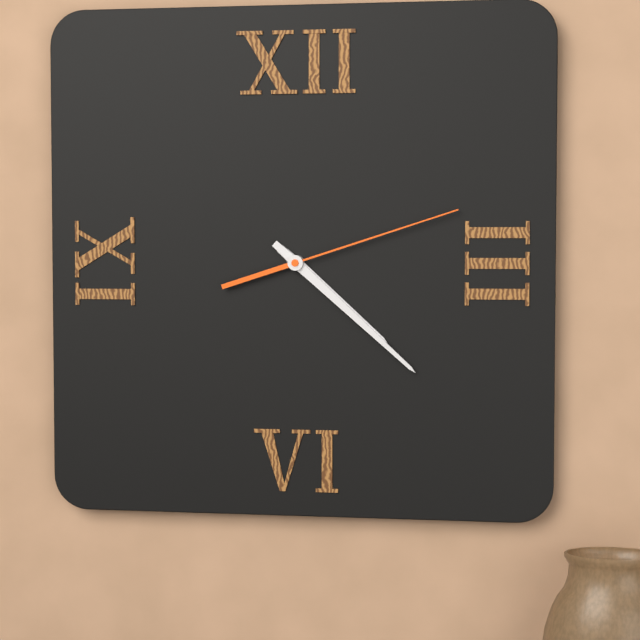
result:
4.22.12
